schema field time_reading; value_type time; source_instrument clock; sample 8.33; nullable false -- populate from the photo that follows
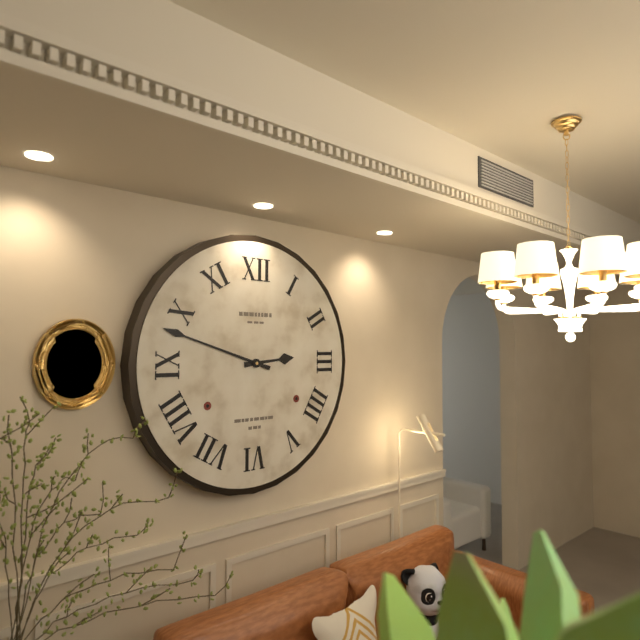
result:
2.48
